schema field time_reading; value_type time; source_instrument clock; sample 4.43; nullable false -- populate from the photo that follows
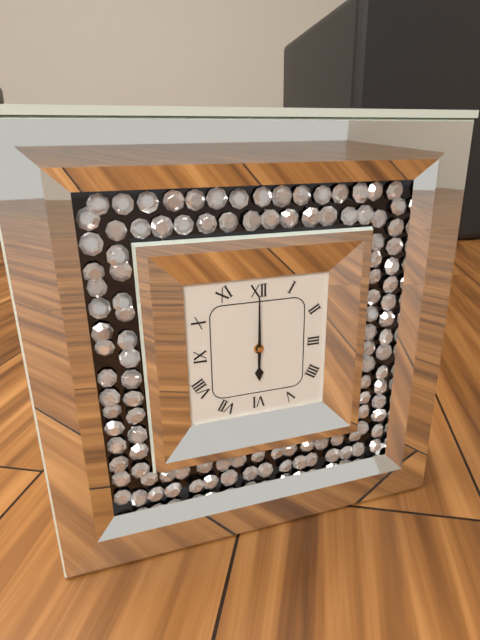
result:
6.00
